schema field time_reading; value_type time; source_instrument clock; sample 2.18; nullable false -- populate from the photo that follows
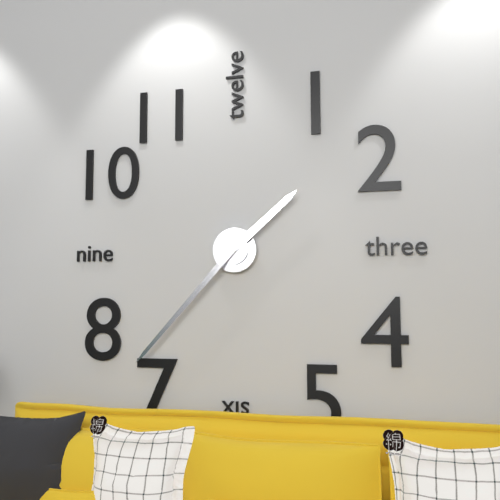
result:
1.37
